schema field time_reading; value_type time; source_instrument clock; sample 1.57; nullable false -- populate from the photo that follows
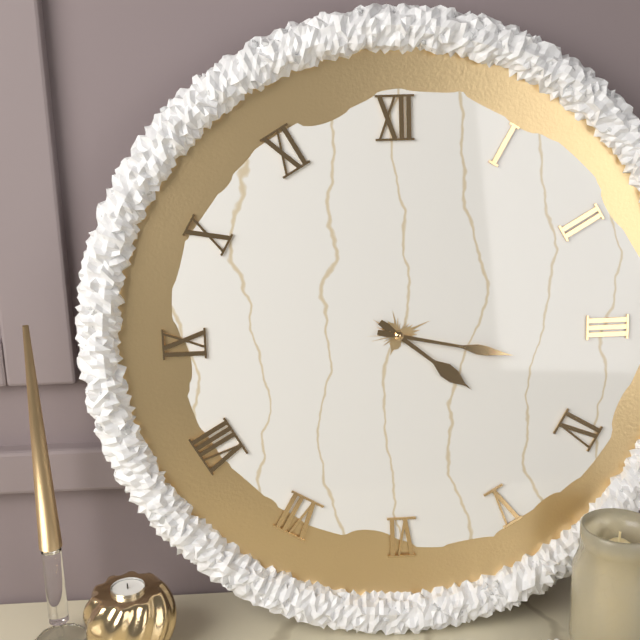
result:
4.17
